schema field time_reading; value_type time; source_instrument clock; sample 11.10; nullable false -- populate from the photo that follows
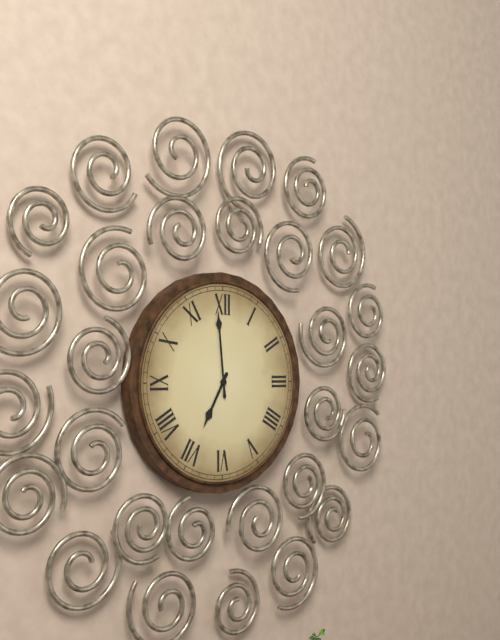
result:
6.59
